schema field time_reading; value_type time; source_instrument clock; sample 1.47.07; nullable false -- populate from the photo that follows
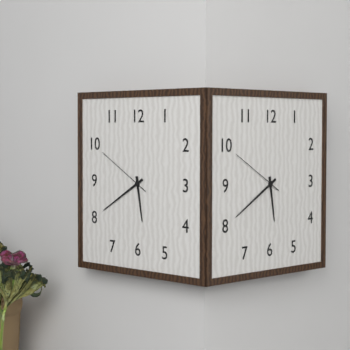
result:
5.40.50
